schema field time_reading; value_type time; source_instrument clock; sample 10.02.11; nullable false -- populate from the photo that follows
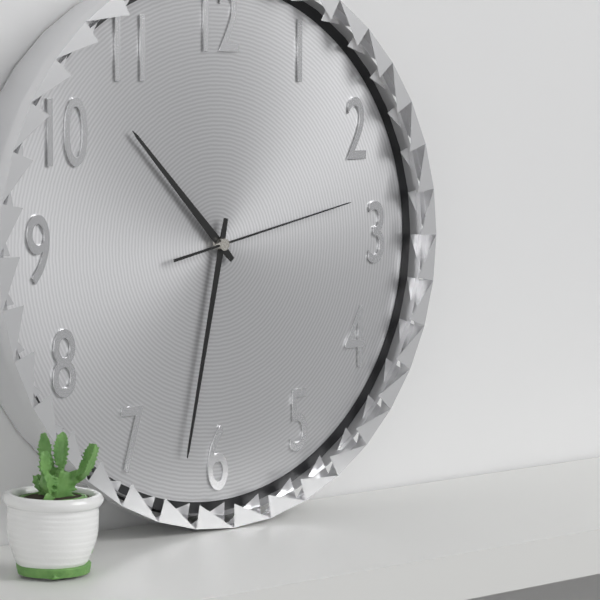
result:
10.32.13
